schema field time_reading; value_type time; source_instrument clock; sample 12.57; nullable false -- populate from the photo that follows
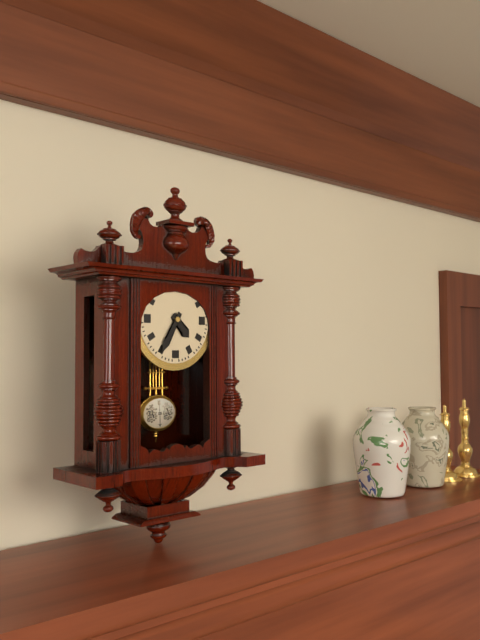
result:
4.35
